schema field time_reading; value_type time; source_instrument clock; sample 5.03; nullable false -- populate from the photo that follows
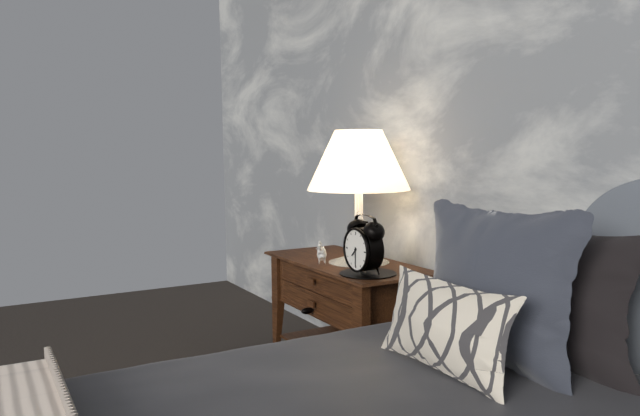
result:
7.30
